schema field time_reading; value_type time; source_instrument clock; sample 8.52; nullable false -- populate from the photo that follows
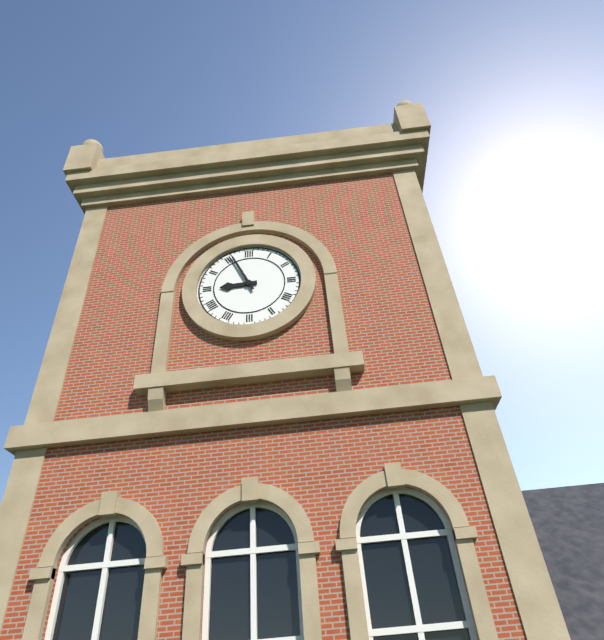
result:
8.56
